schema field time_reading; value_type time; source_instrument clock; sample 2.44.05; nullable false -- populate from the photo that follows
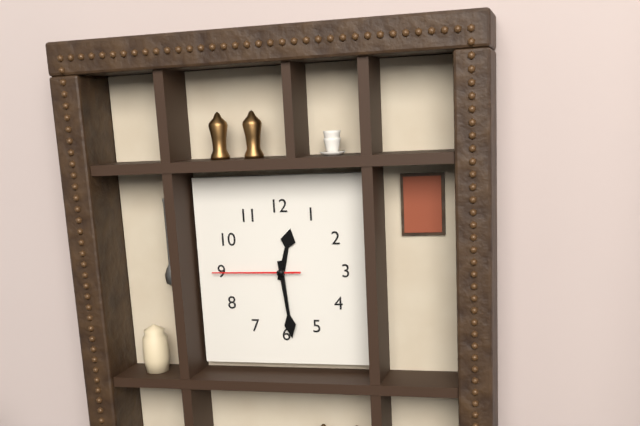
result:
12.29.45
